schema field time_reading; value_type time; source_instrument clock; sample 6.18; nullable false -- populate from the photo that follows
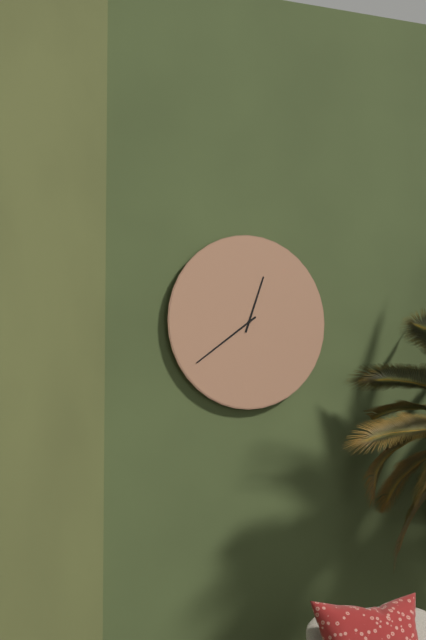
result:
12.39
